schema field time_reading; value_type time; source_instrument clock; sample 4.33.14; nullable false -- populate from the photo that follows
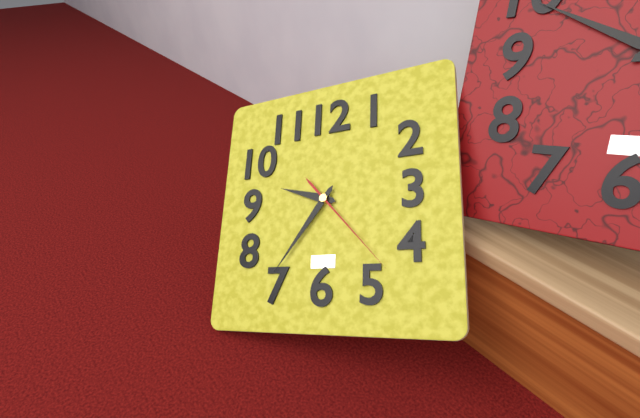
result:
9.36.23
